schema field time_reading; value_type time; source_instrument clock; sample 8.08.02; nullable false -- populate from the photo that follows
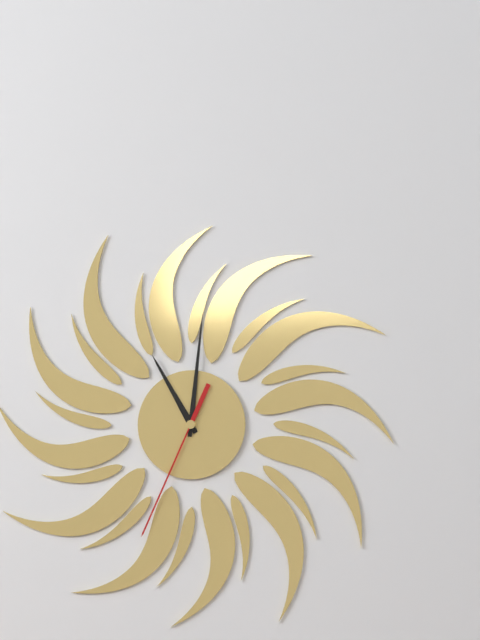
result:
11.01.34
